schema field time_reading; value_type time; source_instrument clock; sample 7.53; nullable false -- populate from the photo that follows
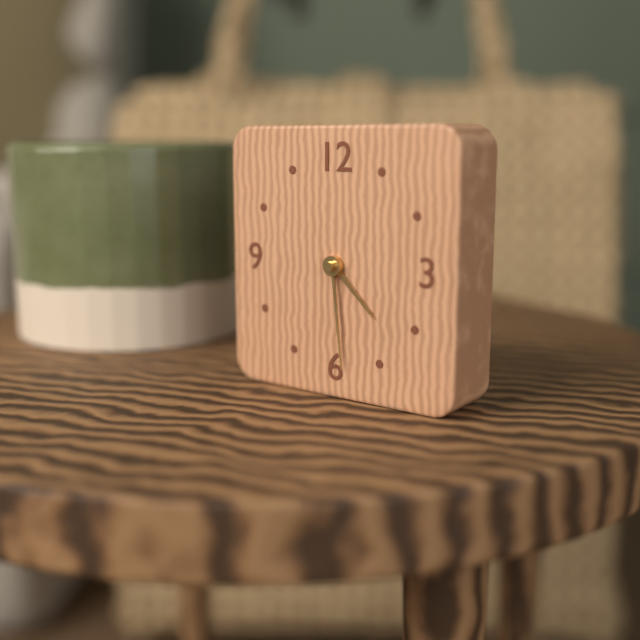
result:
4.29
